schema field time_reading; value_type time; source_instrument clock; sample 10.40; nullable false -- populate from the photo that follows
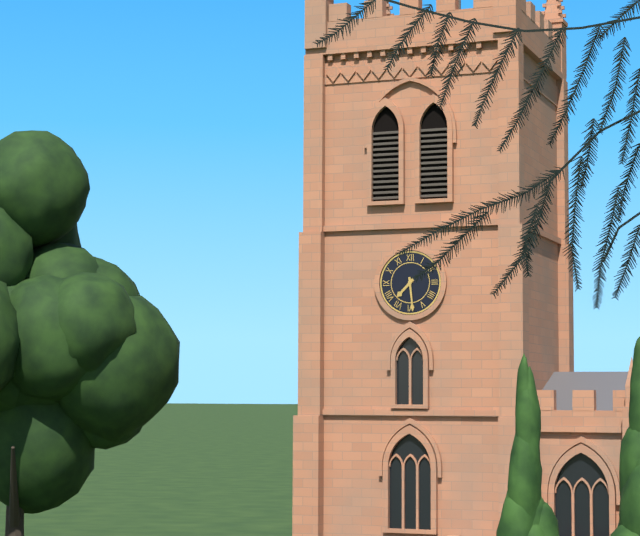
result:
7.29
